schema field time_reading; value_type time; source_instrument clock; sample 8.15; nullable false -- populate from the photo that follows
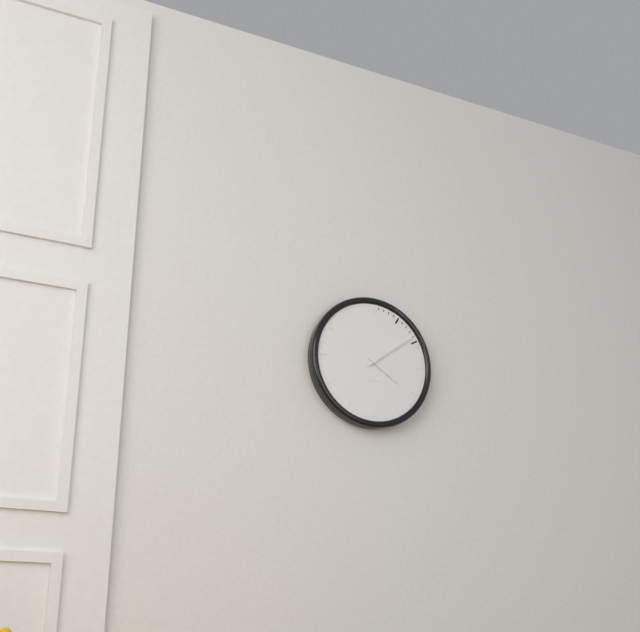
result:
4.09
